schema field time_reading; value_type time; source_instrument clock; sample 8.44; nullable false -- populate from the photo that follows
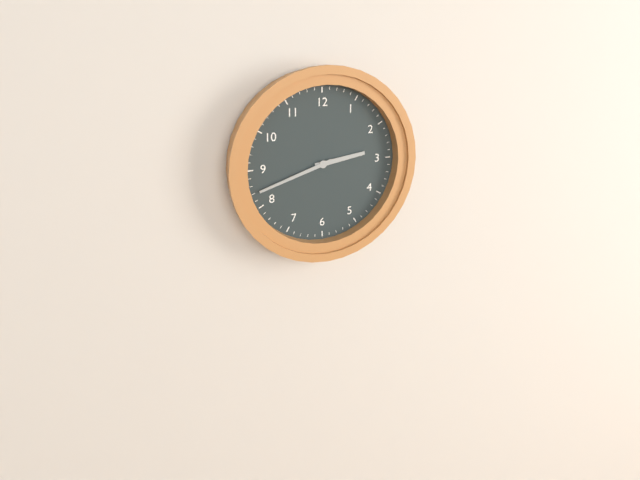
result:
2.42
